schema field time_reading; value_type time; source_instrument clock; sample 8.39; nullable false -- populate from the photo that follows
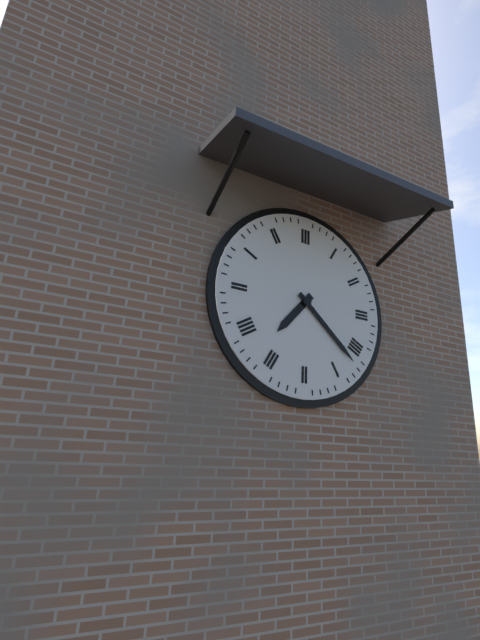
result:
7.22
